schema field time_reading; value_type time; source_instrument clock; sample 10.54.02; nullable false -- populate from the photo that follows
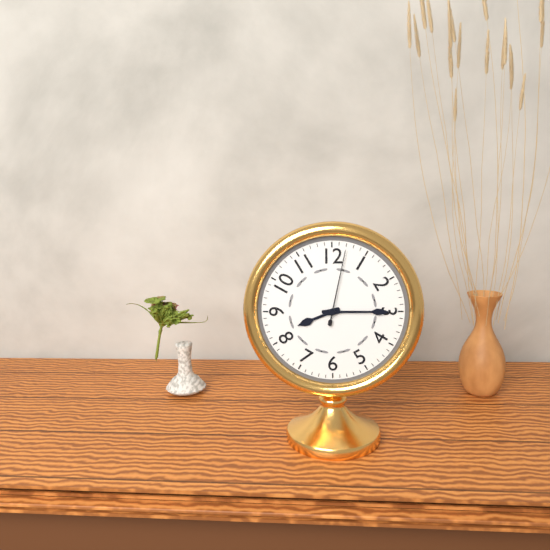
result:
8.15.02
